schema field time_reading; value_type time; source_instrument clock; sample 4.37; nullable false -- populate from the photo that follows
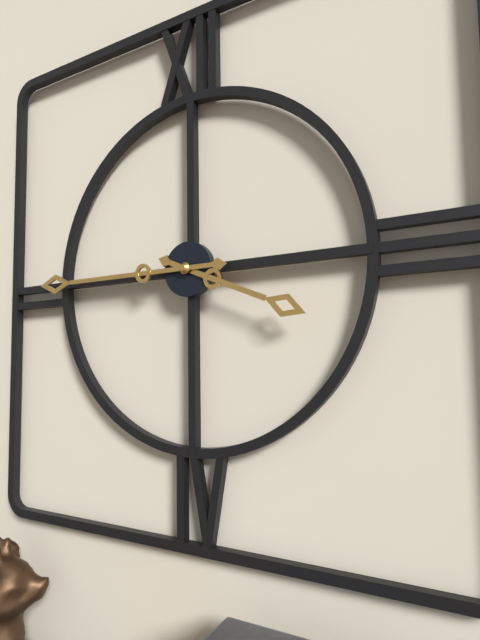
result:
3.45
